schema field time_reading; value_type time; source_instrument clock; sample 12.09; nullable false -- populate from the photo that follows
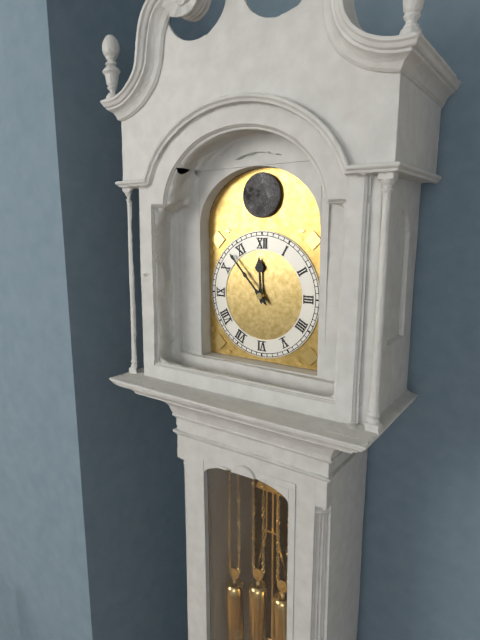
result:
11.53
